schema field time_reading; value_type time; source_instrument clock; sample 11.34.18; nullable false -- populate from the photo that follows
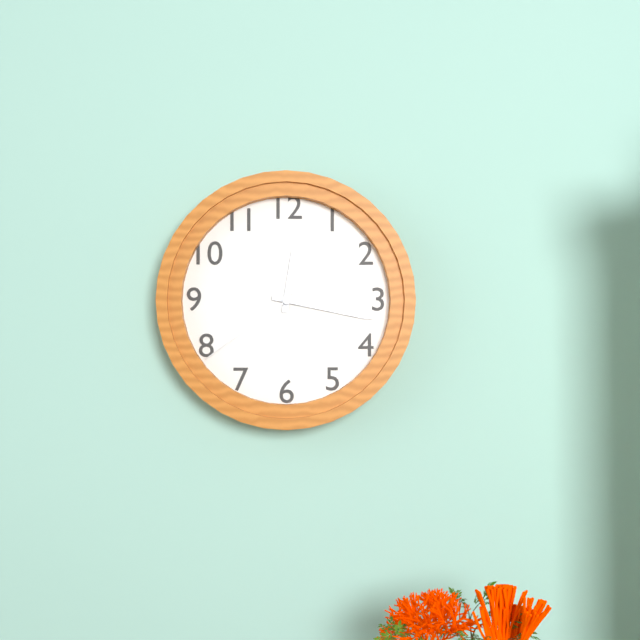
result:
12.17.39
